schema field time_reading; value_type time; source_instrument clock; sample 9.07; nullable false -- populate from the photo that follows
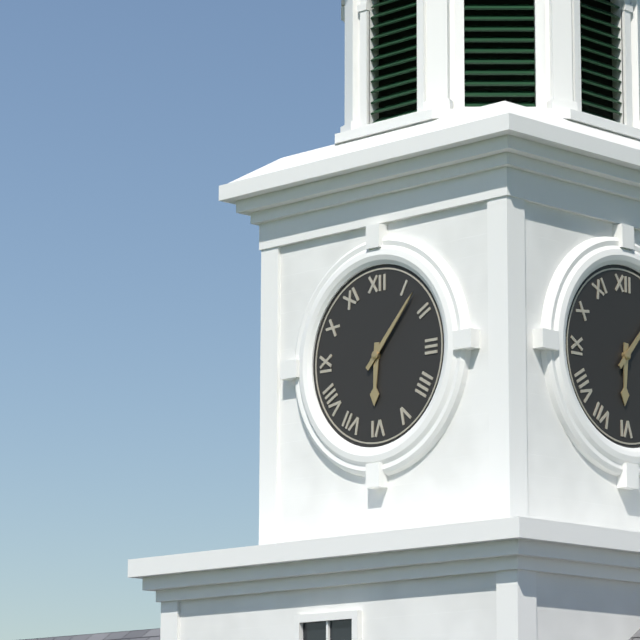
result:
6.07
